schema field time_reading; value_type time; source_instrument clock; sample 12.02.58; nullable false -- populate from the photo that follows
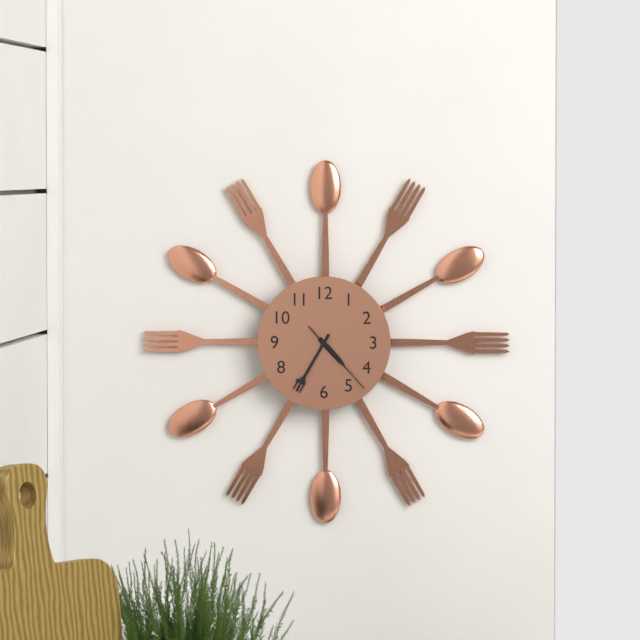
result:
4.35.23
